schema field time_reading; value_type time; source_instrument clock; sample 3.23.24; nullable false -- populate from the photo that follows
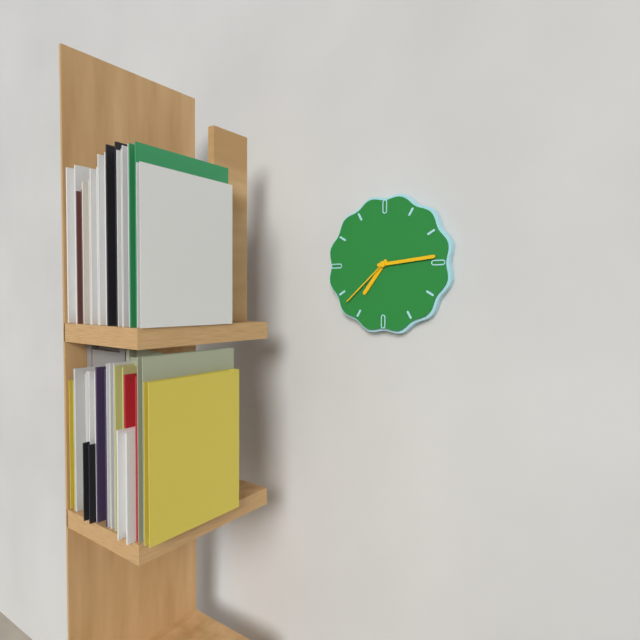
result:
7.14.38
